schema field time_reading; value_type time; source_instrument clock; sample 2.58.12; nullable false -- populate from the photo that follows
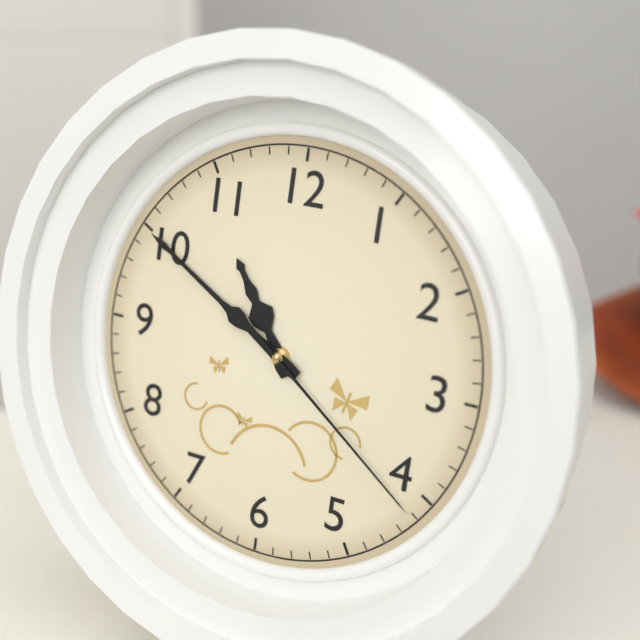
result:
10.50.21
